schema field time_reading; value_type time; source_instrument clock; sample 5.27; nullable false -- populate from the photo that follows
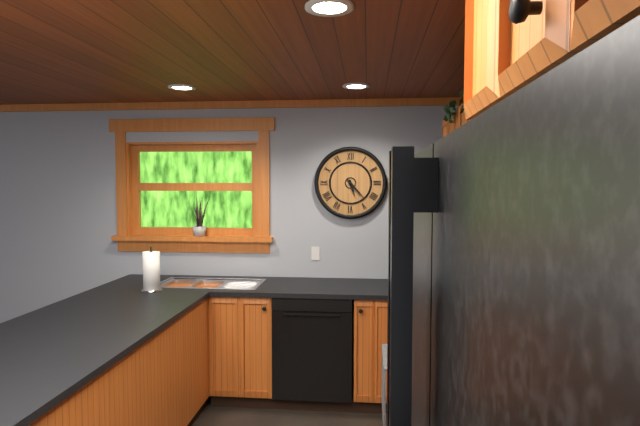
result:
5.23
